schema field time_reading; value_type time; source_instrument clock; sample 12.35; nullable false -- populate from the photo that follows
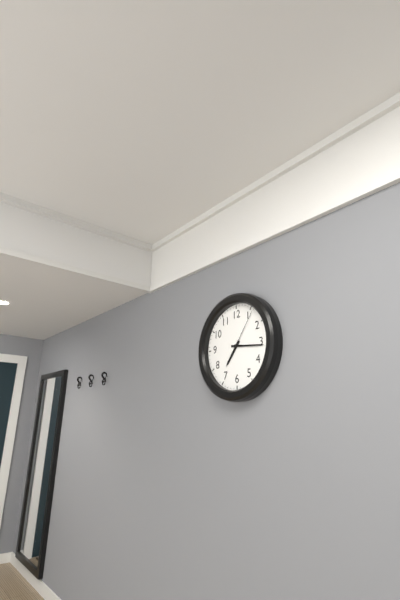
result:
7.16
